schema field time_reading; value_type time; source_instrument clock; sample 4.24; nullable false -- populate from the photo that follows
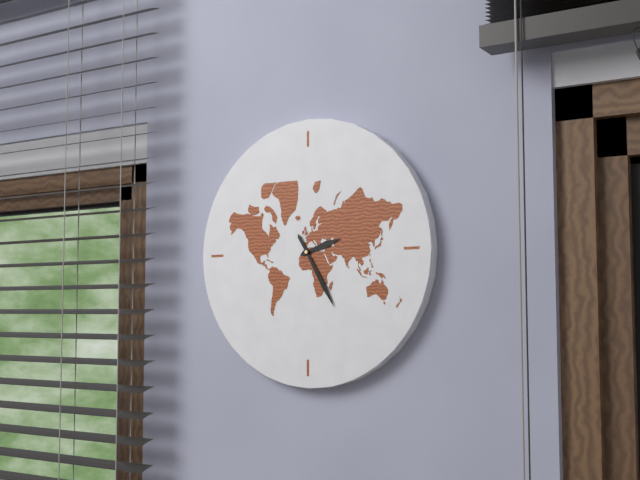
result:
2.25
